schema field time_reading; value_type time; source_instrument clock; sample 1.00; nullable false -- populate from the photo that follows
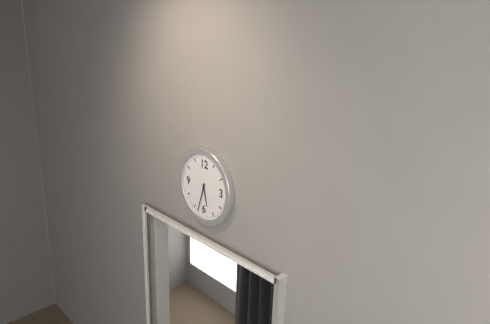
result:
5.33
